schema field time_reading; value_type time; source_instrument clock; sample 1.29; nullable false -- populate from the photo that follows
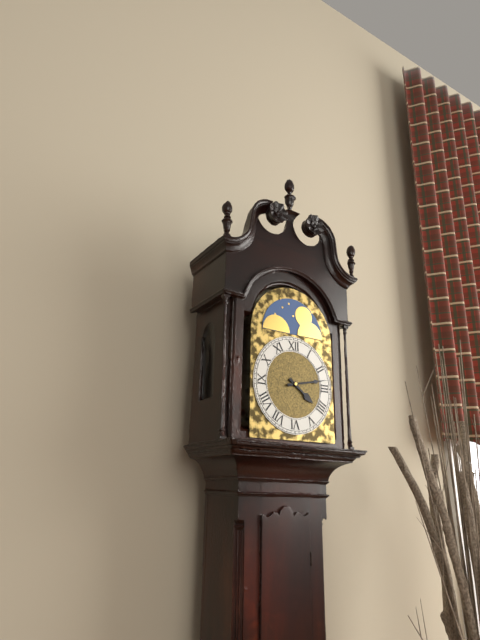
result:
4.13
